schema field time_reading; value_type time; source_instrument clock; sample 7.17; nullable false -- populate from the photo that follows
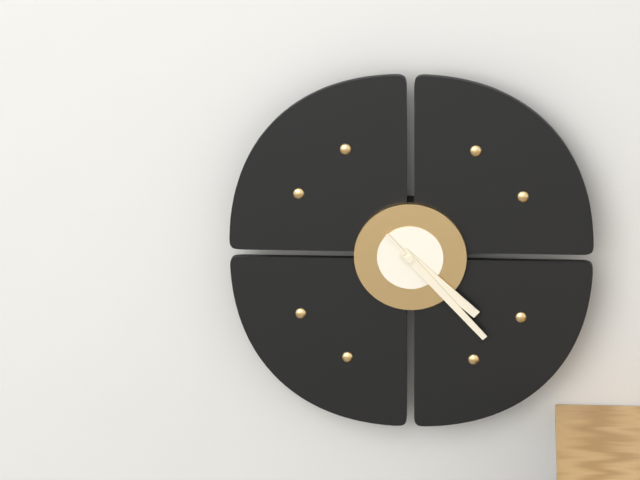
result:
4.23
